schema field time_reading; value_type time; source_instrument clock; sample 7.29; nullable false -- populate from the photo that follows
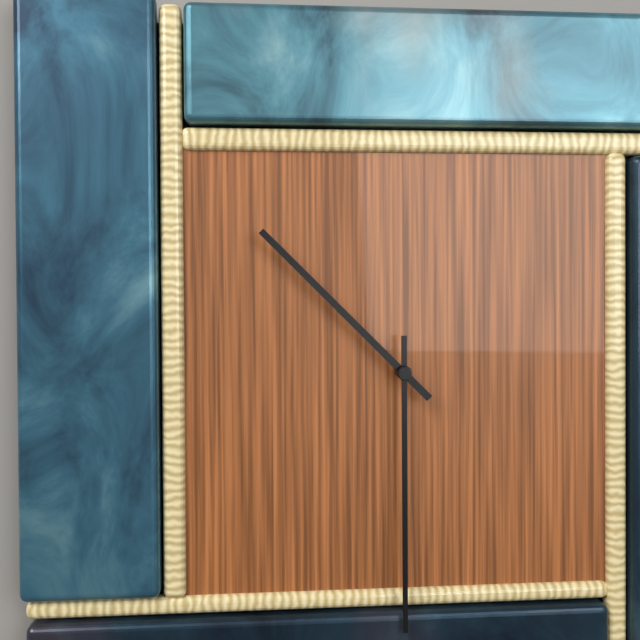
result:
10.30
